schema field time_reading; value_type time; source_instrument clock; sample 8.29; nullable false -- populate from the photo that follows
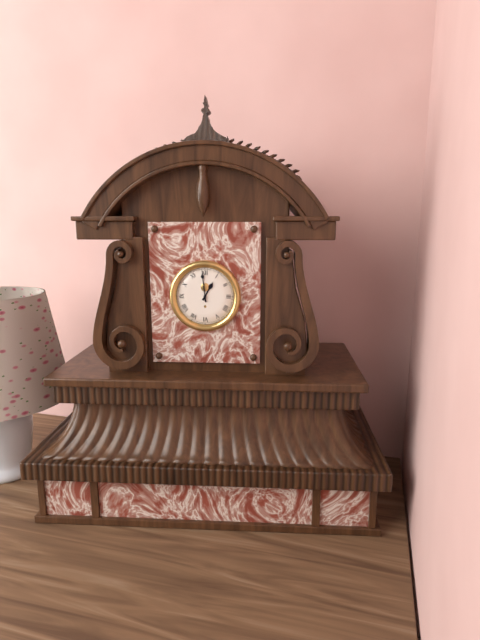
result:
12.59
